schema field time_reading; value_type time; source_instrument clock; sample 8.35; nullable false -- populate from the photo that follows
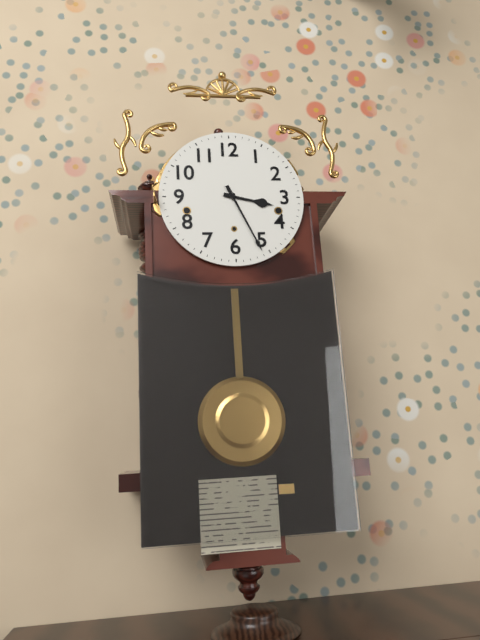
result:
3.26
